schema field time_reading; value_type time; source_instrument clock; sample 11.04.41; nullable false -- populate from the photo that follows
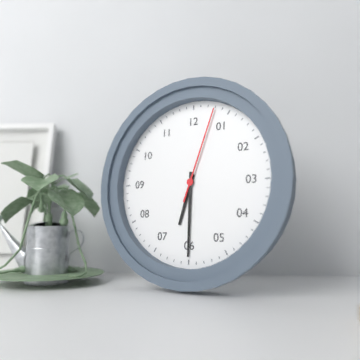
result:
6.30.03
